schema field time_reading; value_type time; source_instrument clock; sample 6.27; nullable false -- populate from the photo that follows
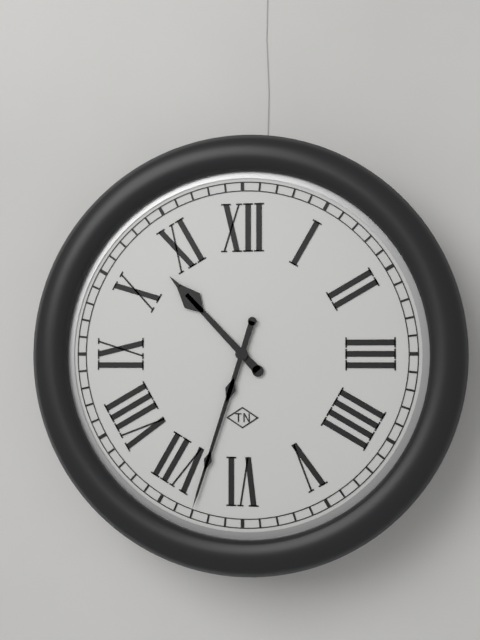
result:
10.33
